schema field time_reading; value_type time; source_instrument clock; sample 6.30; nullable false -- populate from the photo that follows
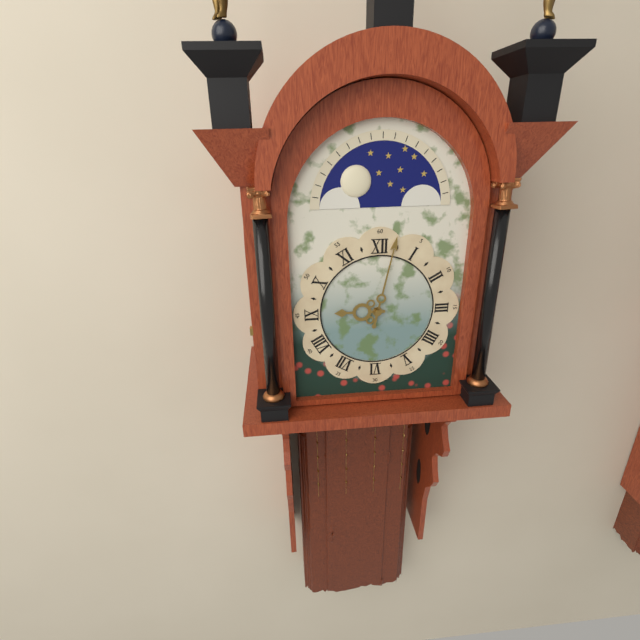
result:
9.02
